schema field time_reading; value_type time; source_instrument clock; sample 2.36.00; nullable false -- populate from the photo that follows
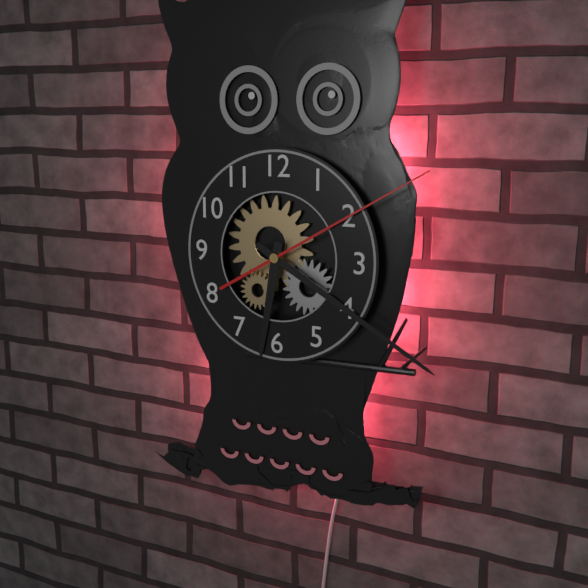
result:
6.20.10
